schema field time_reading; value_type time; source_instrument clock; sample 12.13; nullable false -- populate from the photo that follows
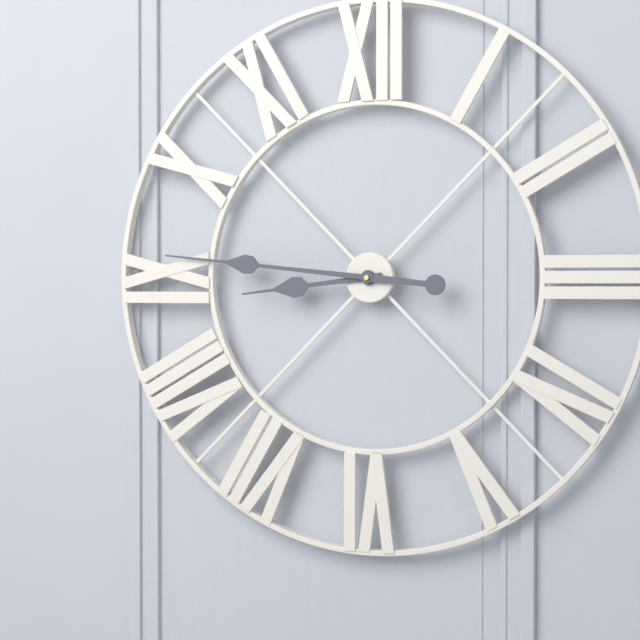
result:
8.46
